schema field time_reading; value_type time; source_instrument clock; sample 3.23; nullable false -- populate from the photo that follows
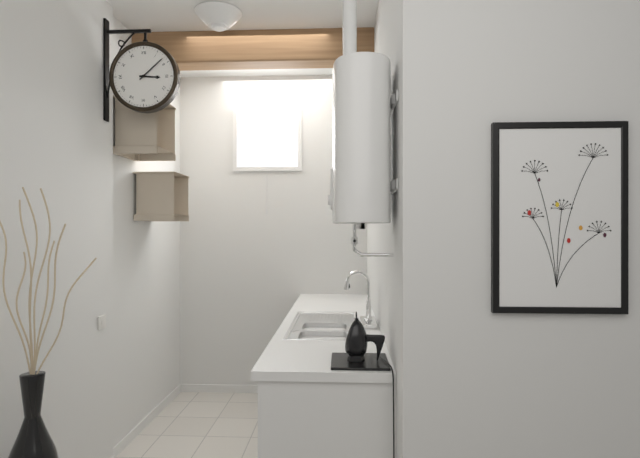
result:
3.08
